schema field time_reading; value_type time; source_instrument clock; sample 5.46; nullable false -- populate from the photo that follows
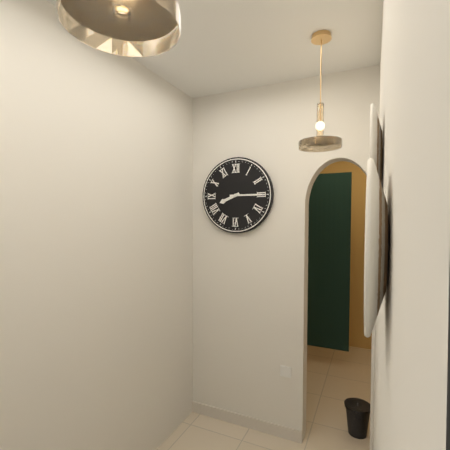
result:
8.15
